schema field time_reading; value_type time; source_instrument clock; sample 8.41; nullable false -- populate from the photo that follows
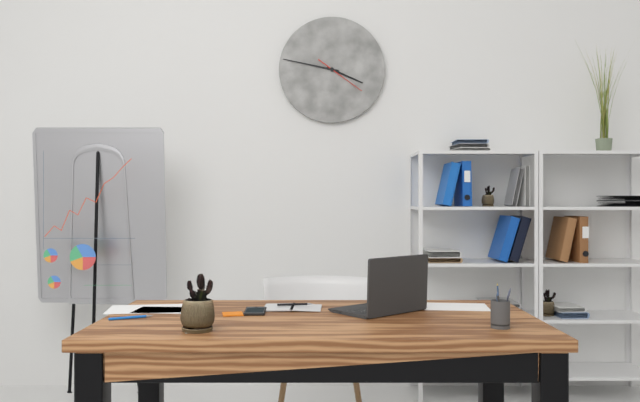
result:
3.47
